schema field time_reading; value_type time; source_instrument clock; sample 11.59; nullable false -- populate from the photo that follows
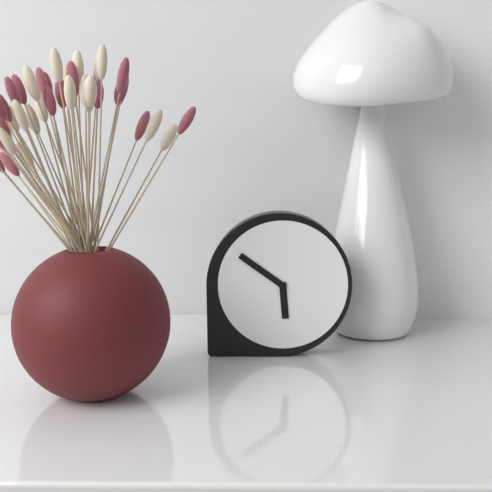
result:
5.51
